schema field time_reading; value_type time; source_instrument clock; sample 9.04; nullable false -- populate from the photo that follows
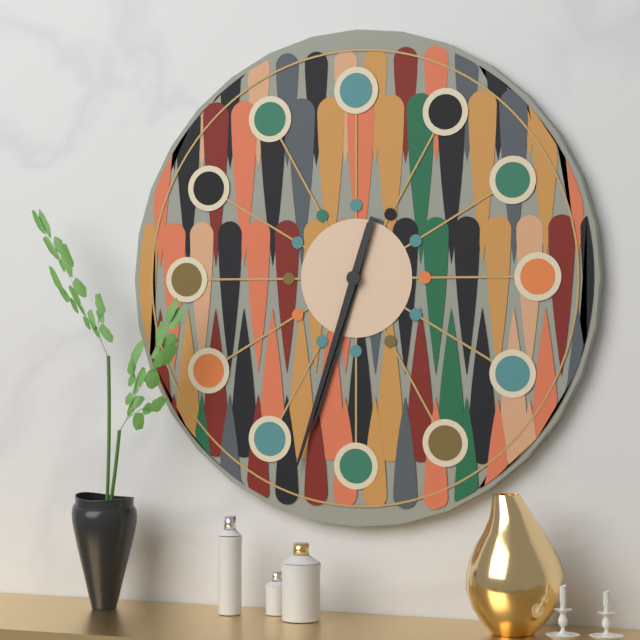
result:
6.33
